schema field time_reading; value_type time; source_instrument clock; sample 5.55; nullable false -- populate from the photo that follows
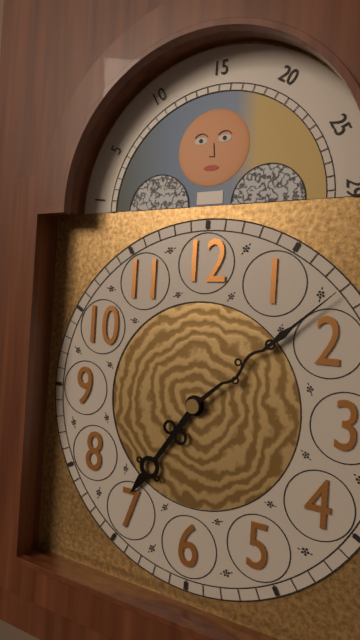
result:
7.08
